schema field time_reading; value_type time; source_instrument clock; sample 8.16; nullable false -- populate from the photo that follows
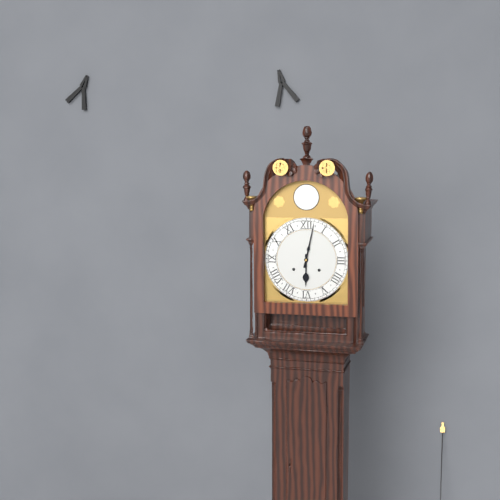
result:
6.02
